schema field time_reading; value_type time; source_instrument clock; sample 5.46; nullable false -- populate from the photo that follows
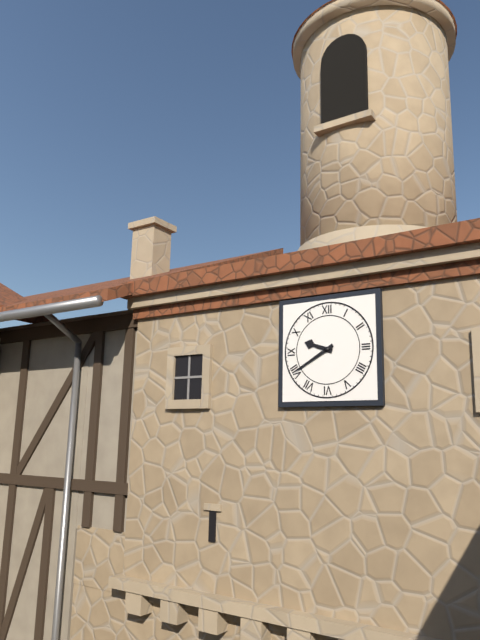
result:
9.40
